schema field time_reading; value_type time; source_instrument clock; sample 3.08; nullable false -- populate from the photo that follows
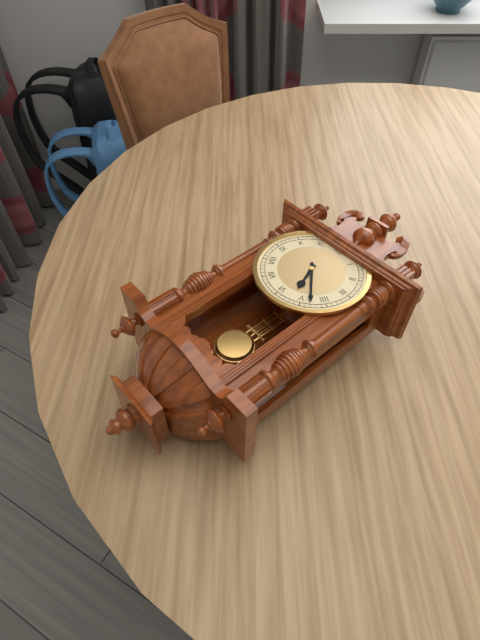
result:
5.23
